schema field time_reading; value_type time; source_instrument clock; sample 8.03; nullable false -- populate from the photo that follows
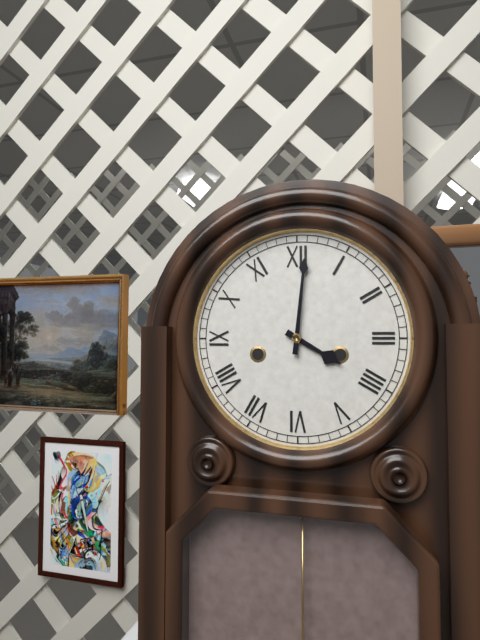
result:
4.01
